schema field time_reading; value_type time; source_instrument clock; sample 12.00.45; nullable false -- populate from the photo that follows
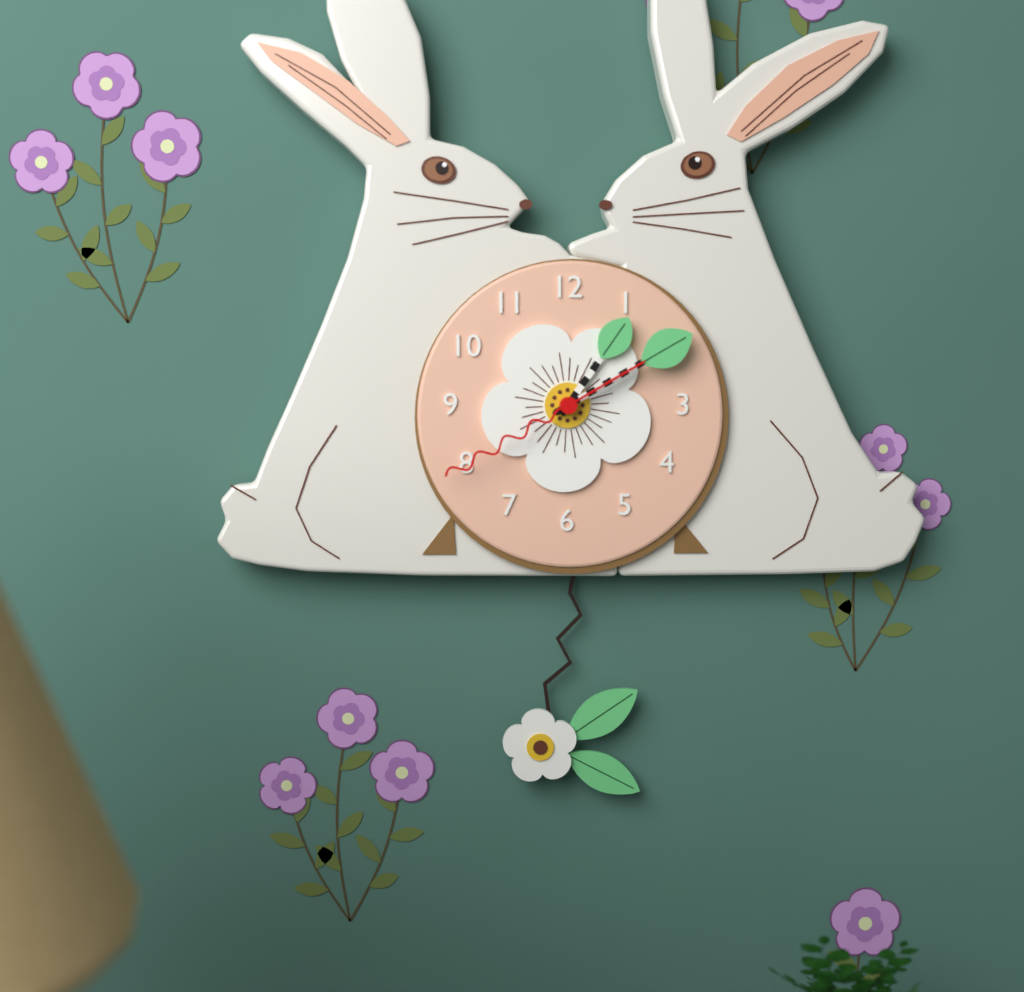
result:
1.10.40
